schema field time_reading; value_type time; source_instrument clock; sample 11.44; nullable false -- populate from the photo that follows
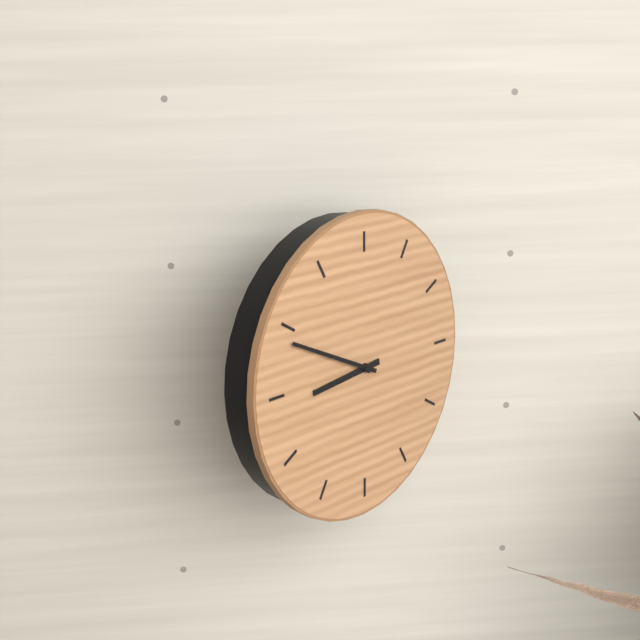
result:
8.49
